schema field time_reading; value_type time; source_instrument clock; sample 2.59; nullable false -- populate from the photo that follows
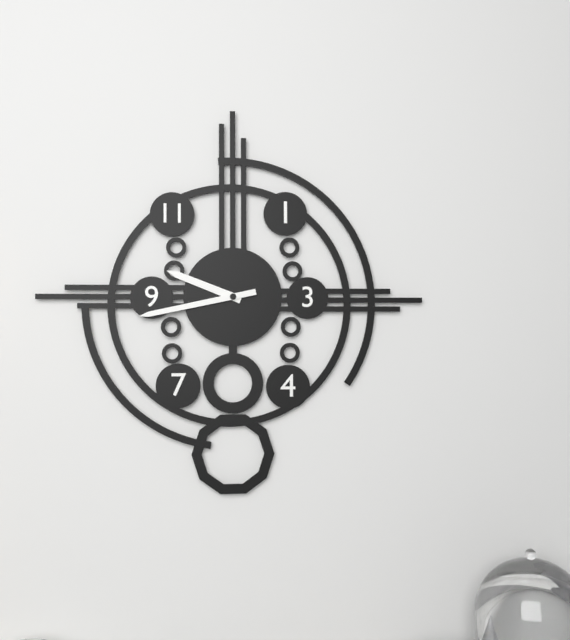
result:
9.43
